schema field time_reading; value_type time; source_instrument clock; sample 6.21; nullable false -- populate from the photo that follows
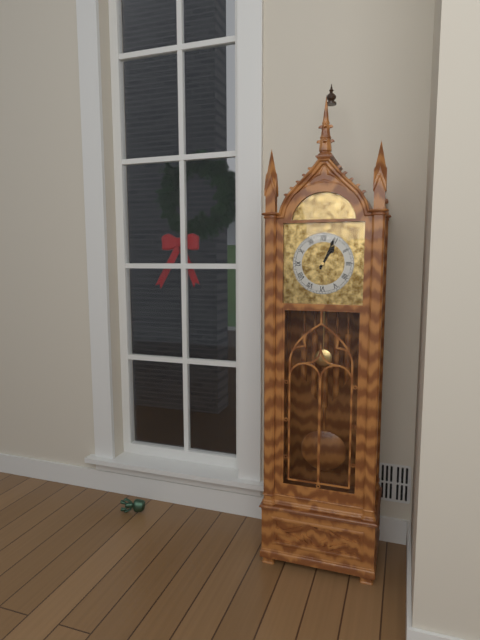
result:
1.04
